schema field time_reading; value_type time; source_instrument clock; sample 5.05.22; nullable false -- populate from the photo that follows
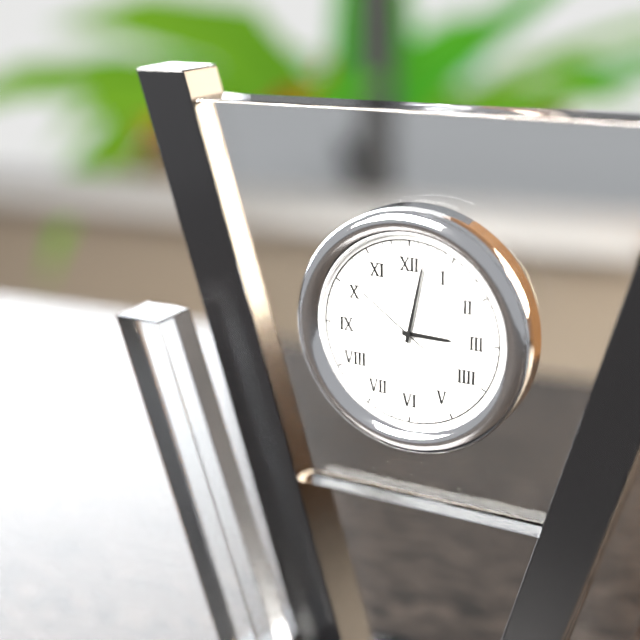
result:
3.02.51
